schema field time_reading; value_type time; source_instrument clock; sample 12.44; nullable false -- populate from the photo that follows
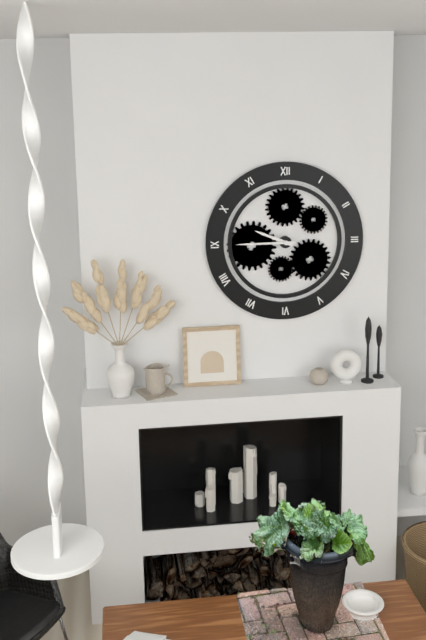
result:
9.45
